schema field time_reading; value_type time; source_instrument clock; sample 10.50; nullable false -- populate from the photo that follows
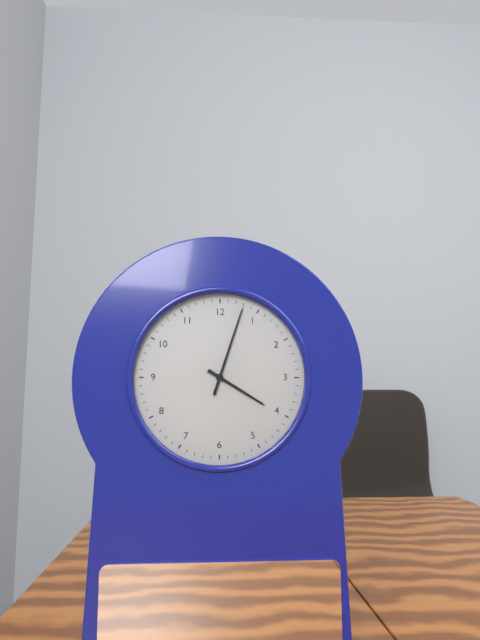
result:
4.03
